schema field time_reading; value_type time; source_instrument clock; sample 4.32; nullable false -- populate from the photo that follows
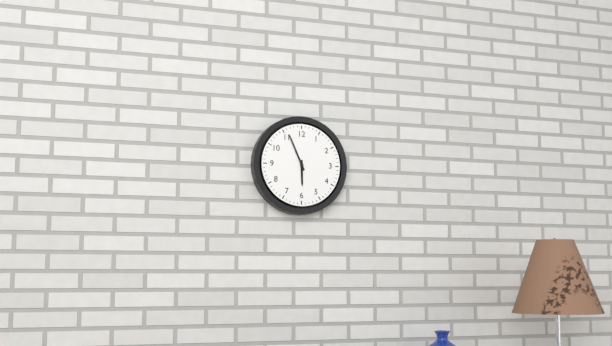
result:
5.56
